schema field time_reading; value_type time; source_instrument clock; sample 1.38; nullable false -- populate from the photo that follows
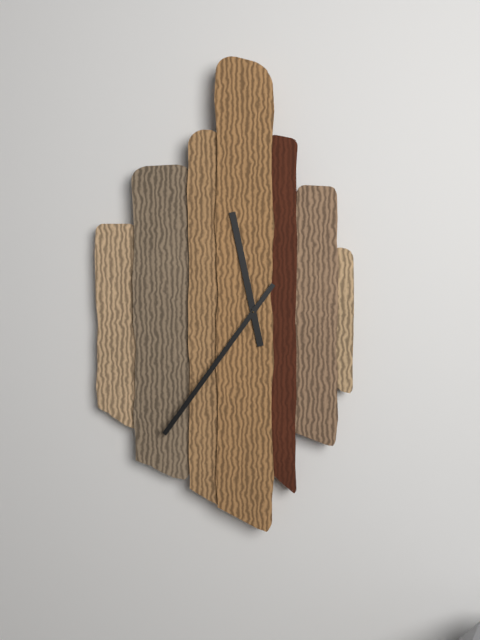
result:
11.36
